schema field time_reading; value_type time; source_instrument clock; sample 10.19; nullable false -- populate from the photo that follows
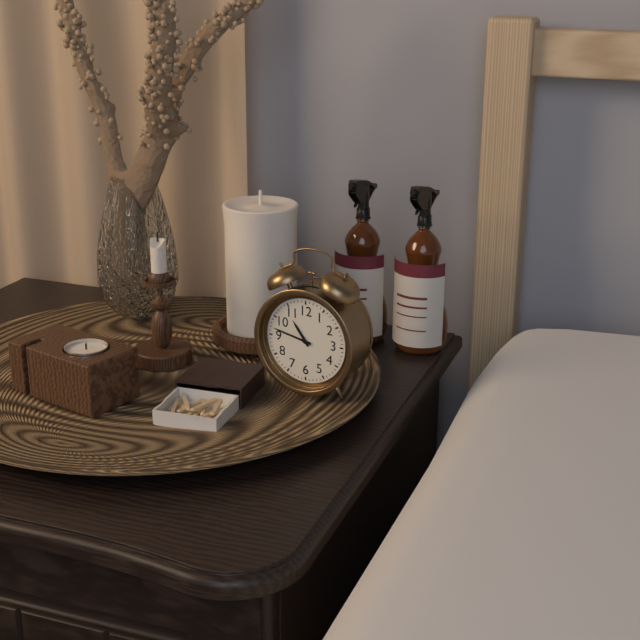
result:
10.47
